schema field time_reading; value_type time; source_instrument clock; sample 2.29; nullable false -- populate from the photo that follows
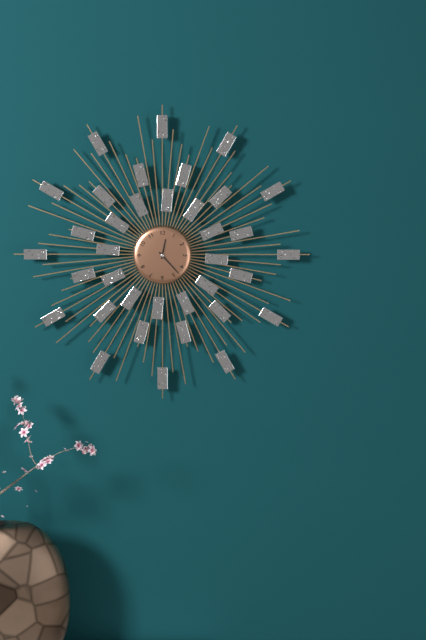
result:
12.23
